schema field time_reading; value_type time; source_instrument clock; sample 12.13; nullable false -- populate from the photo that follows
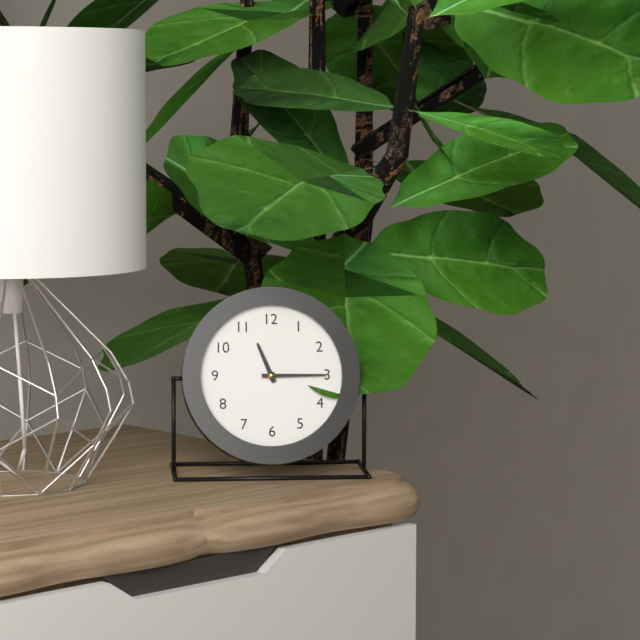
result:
11.15
